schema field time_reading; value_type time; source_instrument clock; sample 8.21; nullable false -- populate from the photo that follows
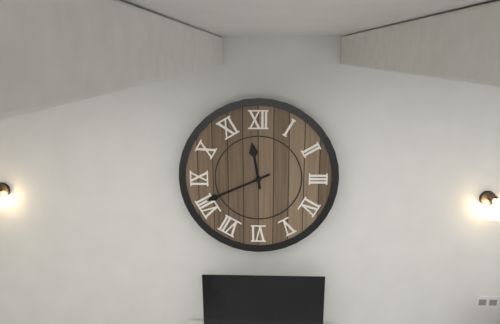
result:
11.41
